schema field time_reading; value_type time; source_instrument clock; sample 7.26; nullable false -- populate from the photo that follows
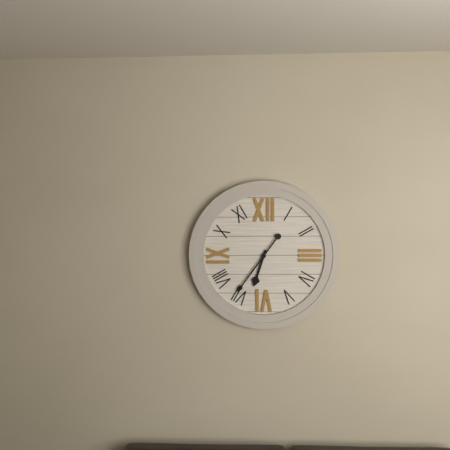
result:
6.36
